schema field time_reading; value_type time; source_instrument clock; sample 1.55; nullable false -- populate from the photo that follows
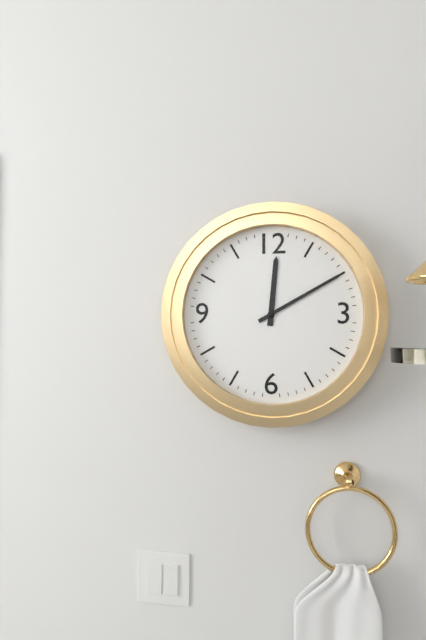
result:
12.10
